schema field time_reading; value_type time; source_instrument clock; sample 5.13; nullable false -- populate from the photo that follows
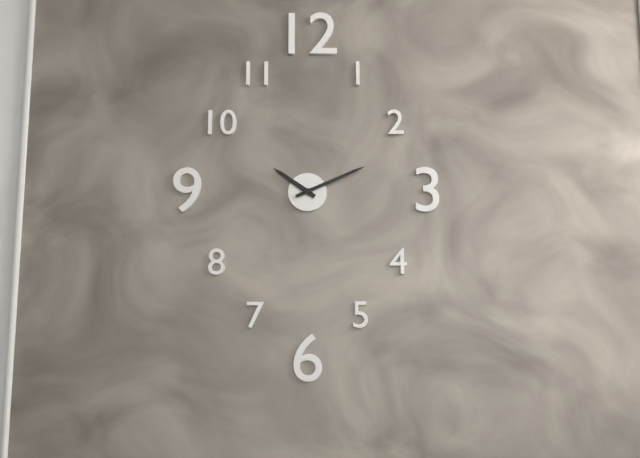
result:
10.11
